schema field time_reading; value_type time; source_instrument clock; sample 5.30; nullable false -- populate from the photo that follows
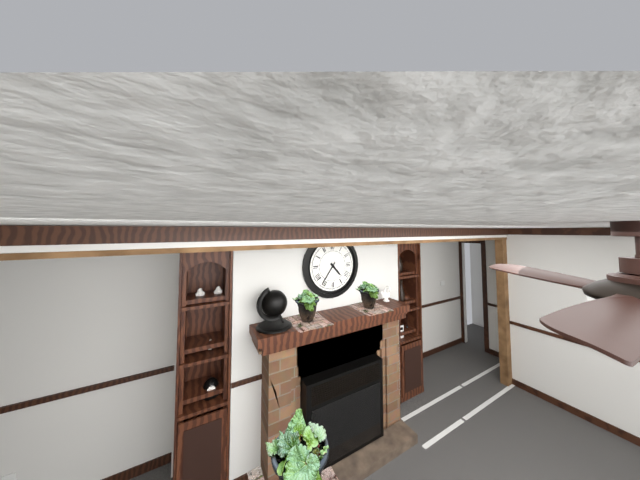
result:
4.36
